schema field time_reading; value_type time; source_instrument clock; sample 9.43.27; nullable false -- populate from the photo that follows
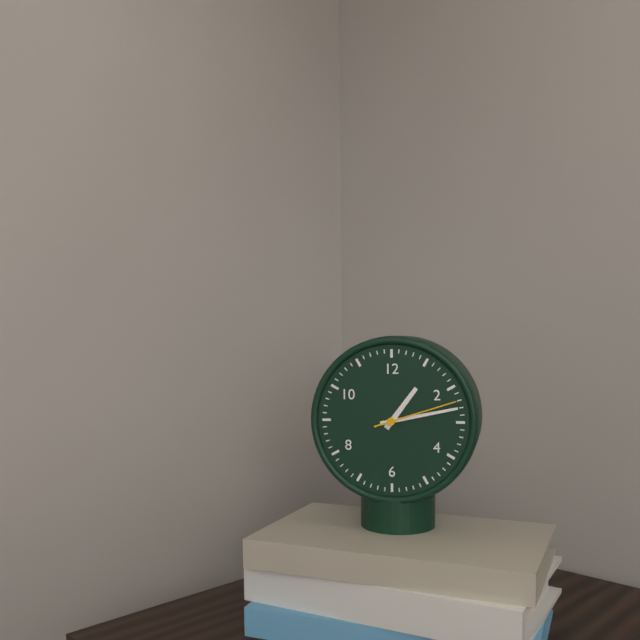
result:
1.13.12
